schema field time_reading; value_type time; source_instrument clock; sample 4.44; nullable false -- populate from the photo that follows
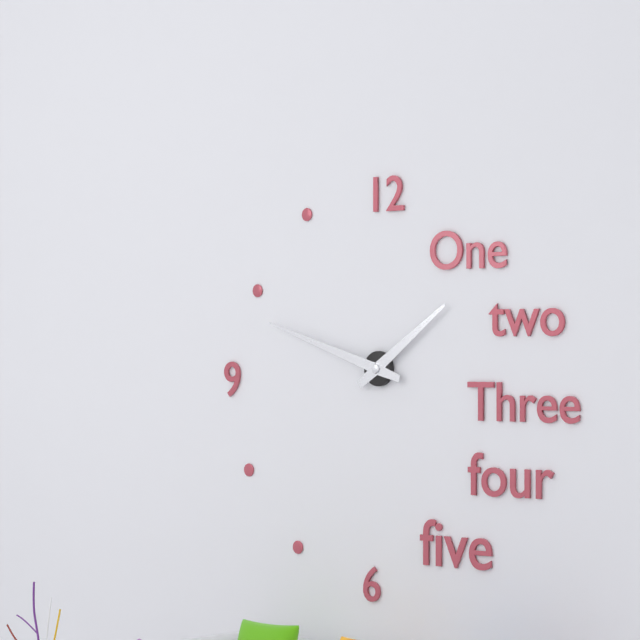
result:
1.48
